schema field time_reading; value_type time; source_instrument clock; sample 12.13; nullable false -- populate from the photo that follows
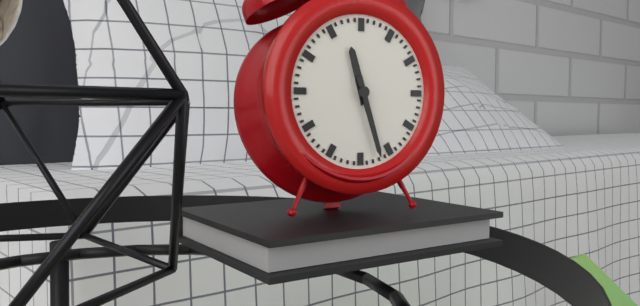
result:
11.27
